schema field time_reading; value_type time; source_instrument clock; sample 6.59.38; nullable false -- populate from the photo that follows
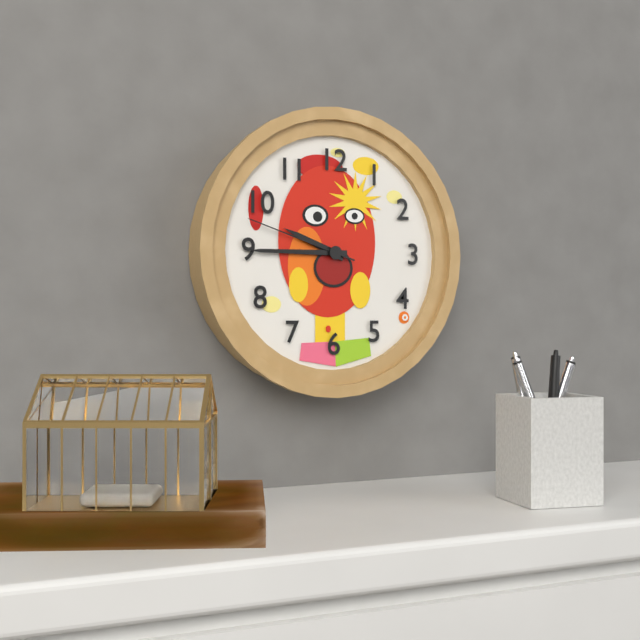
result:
9.45.48
